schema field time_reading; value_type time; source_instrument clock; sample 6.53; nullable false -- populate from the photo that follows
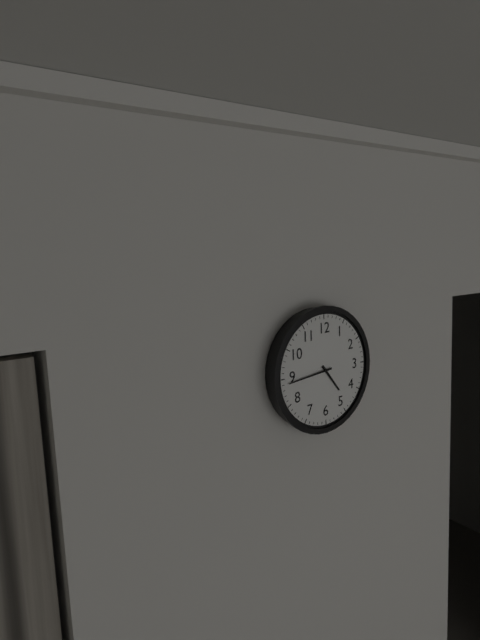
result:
4.44
